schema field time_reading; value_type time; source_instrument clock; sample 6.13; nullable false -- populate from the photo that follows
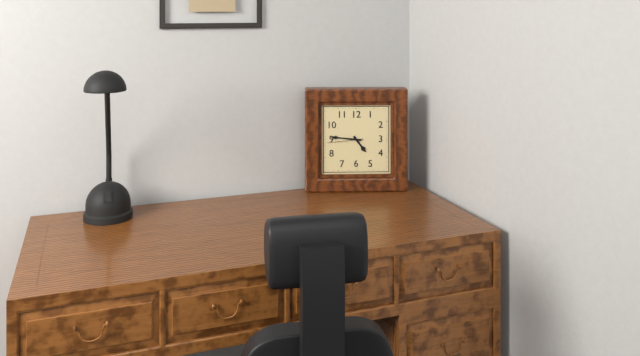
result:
4.46
